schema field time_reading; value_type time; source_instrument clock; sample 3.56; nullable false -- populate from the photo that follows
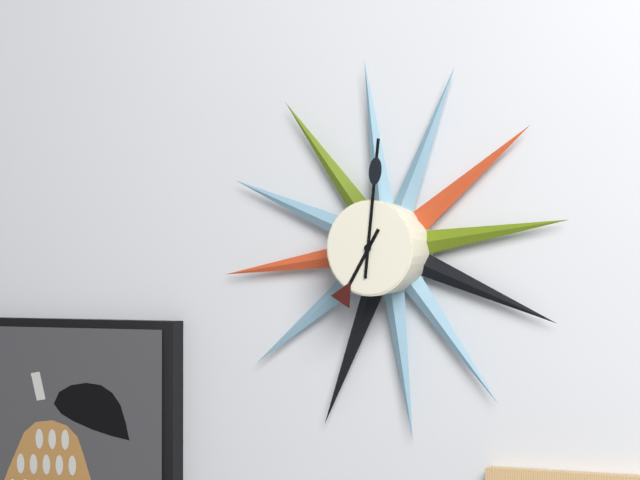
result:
7.01
